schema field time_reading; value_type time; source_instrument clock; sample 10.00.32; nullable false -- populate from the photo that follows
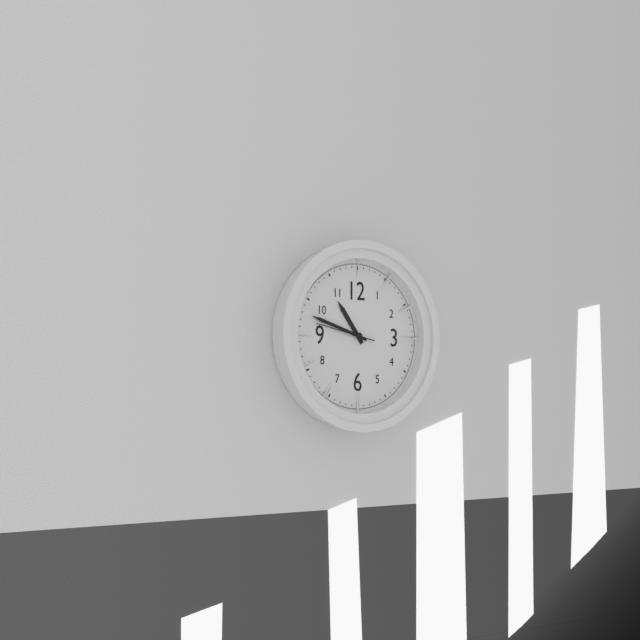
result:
10.48.47
